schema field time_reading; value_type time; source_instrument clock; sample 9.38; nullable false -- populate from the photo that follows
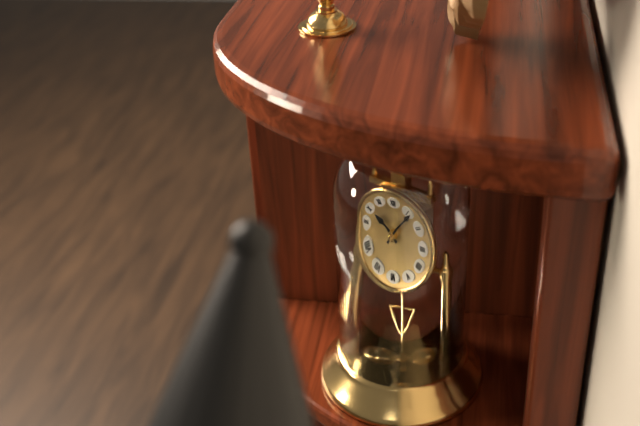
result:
10.06
